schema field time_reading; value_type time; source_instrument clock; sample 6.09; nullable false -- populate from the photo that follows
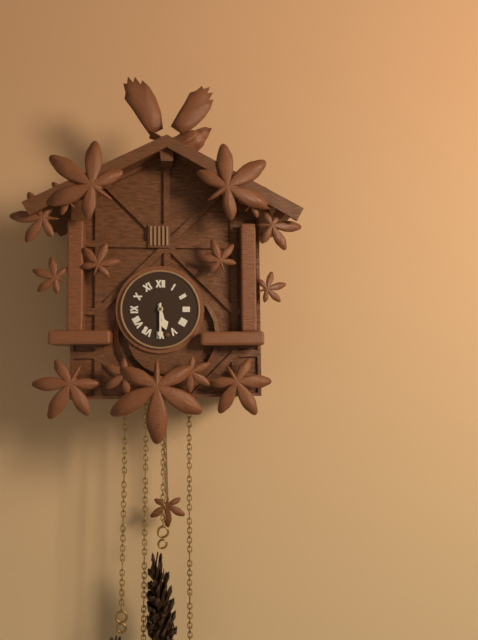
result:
5.30
